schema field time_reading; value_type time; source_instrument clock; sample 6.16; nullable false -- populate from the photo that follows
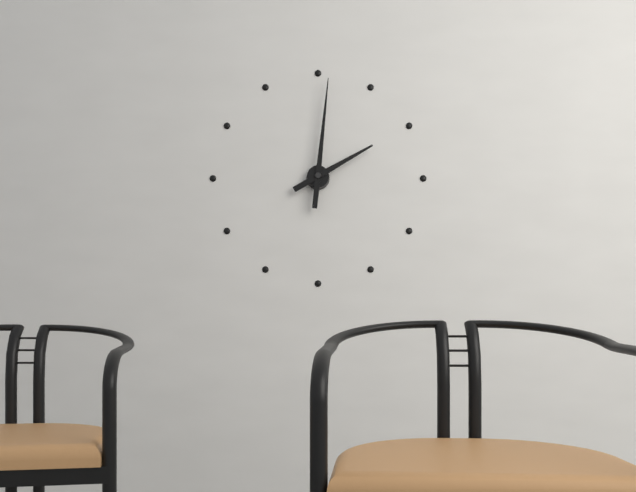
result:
2.01
